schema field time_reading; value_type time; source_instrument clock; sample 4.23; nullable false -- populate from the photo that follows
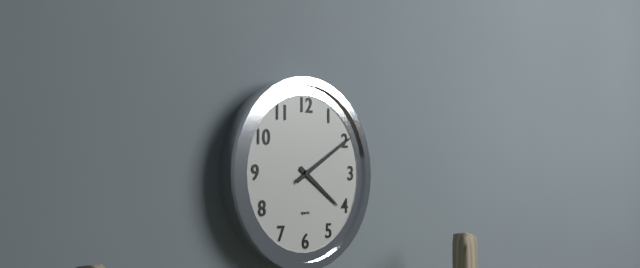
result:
4.10
